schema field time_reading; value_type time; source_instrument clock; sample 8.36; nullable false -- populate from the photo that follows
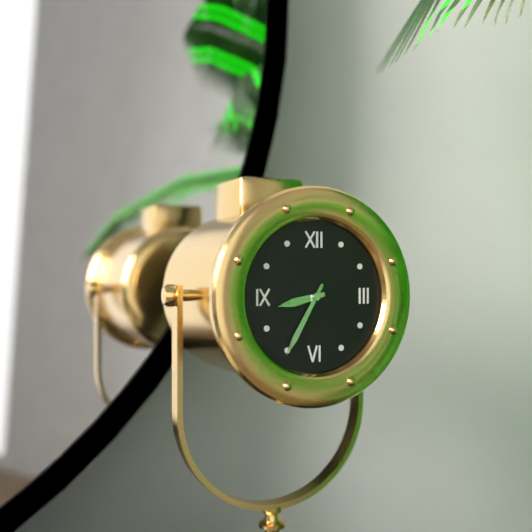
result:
8.35
